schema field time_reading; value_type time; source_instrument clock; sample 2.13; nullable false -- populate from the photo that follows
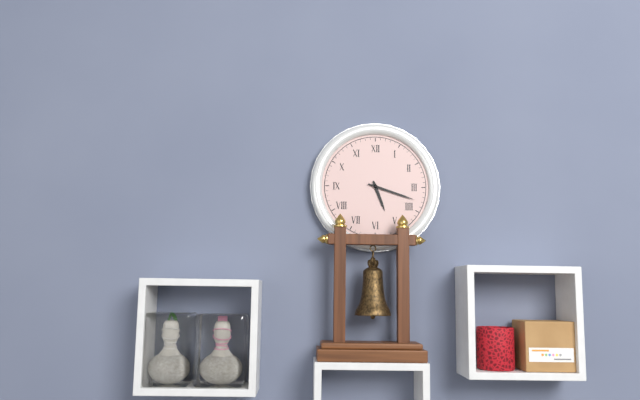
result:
5.18
